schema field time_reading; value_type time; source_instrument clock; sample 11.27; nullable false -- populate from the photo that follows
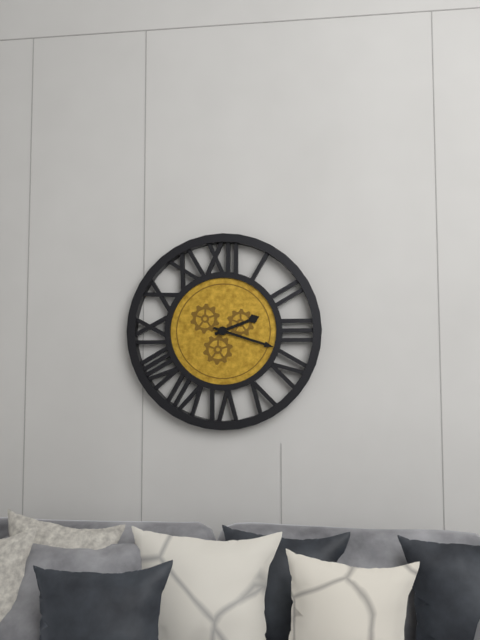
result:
2.18
